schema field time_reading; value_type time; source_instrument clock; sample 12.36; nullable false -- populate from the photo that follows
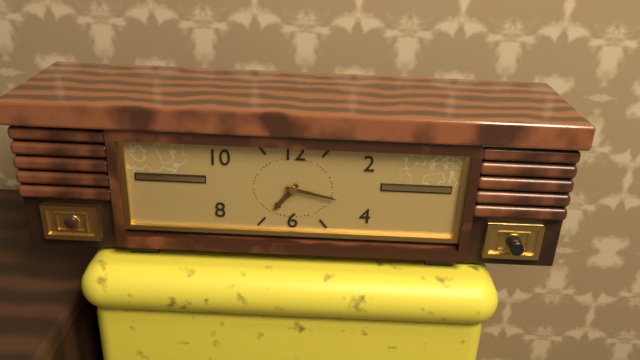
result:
7.17
